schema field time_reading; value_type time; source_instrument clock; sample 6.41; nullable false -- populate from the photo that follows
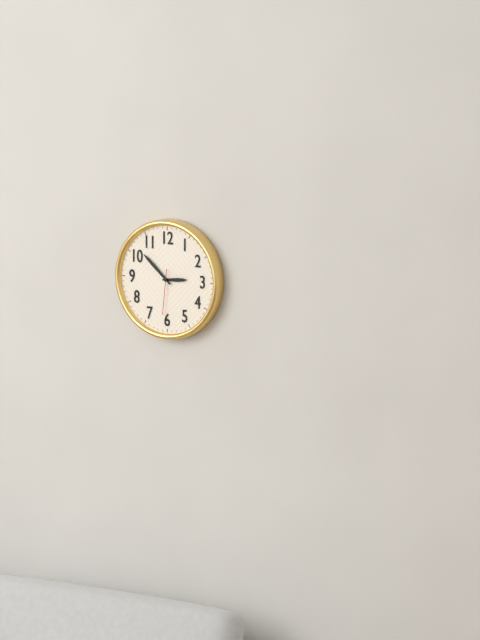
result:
2.52
